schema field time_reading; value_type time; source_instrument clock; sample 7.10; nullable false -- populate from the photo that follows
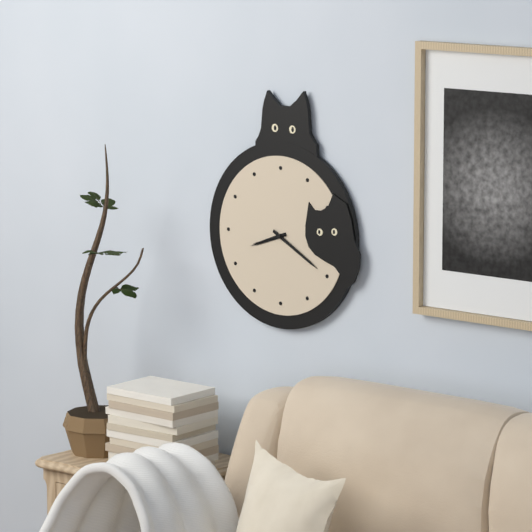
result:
8.20
